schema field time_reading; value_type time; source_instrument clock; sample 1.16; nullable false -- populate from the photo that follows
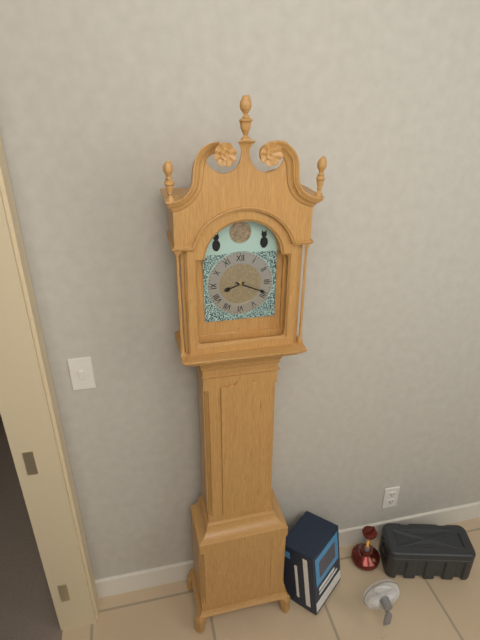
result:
8.19
